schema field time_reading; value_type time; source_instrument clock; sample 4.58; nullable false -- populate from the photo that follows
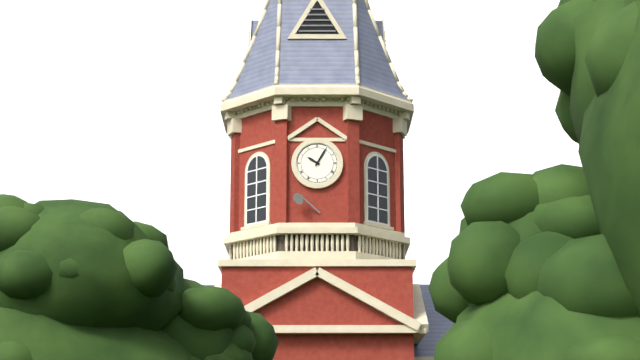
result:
10.05
